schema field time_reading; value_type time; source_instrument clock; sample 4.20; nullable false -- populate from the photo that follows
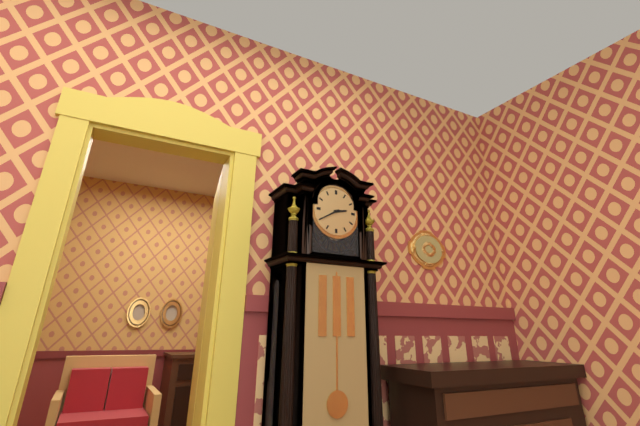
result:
2.40
